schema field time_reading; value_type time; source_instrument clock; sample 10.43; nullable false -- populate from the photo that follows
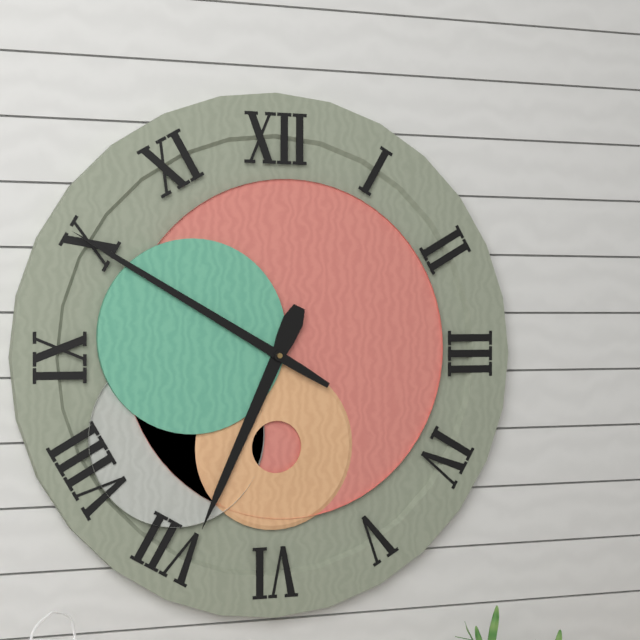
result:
6.50
